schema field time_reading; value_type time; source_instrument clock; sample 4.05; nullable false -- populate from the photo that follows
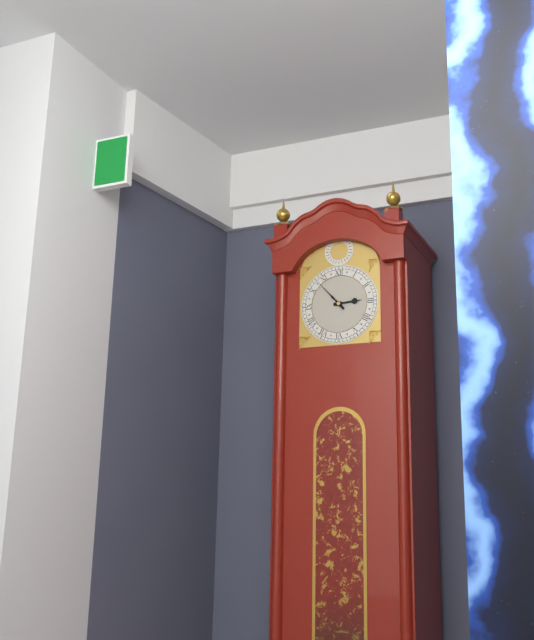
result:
2.53
